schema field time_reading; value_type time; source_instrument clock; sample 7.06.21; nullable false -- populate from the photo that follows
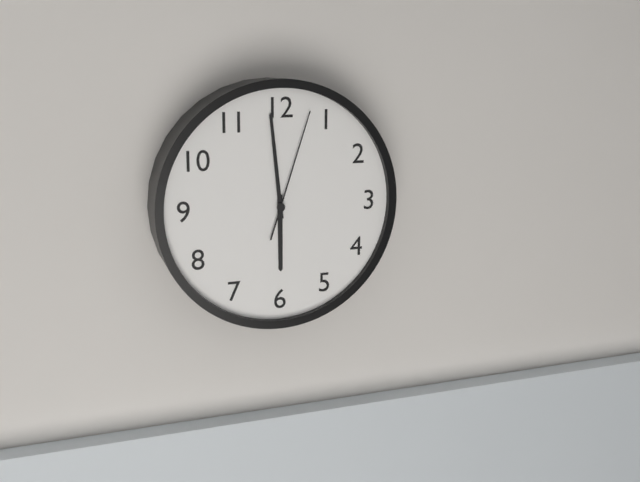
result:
5.59.03
